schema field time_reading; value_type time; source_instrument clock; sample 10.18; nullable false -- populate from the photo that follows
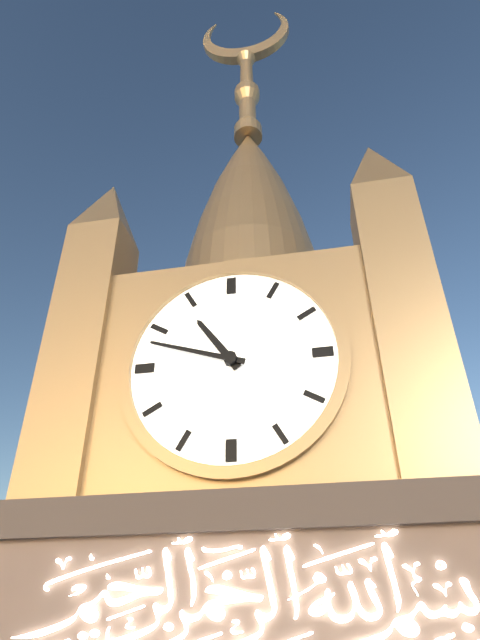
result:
10.48
